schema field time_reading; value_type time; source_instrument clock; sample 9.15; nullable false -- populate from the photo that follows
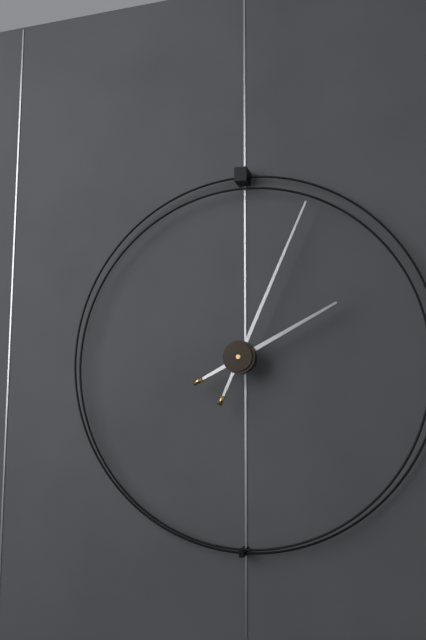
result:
2.04
